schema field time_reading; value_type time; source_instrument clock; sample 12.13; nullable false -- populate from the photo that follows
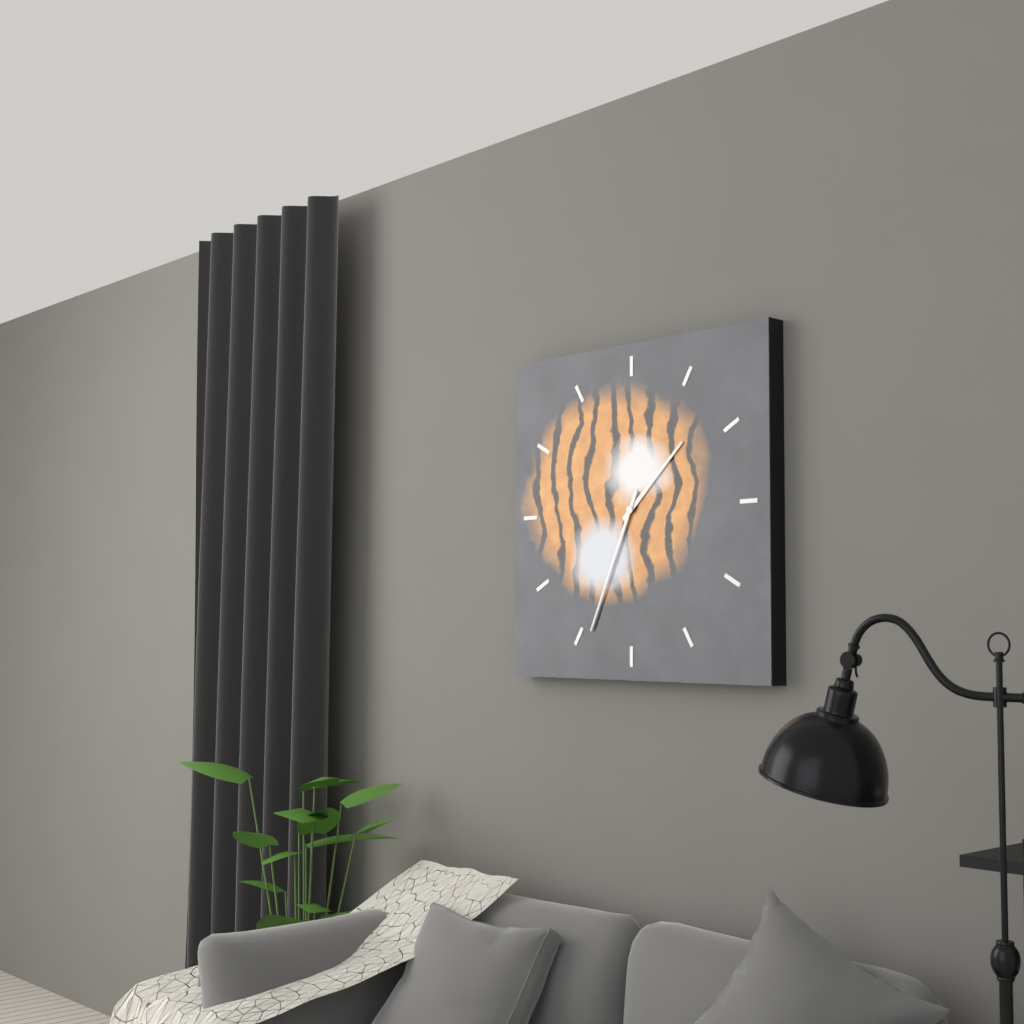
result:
1.34
